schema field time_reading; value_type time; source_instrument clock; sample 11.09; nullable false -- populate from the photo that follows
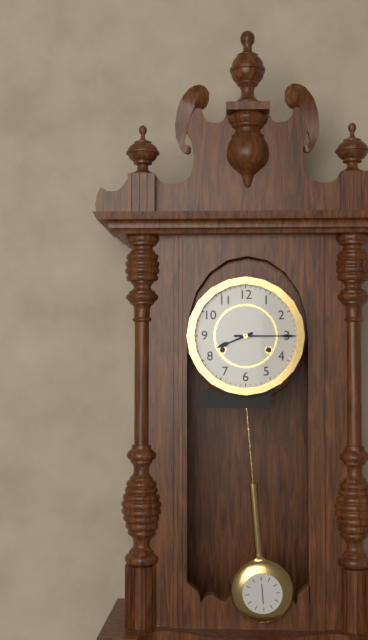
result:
8.15
